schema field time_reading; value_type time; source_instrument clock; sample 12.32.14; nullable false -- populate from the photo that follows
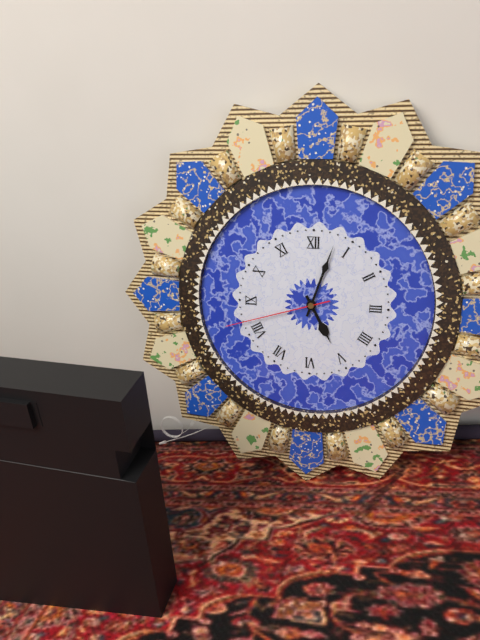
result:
5.03.42
